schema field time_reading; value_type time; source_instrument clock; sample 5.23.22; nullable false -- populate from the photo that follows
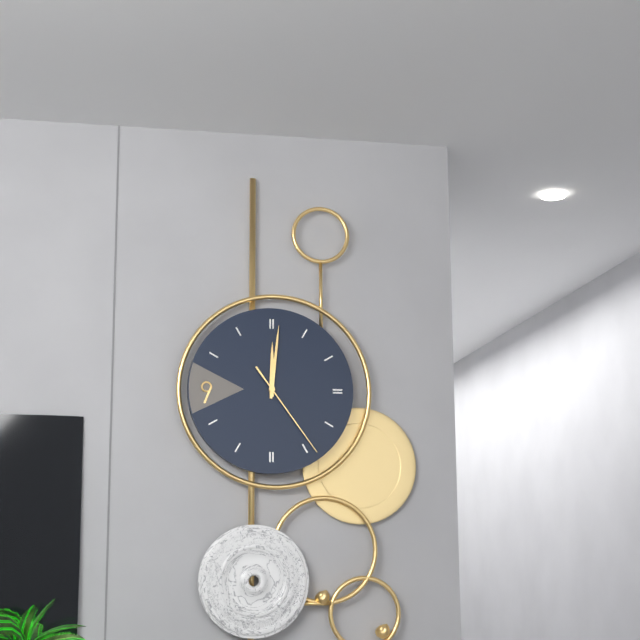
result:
12.01.24
